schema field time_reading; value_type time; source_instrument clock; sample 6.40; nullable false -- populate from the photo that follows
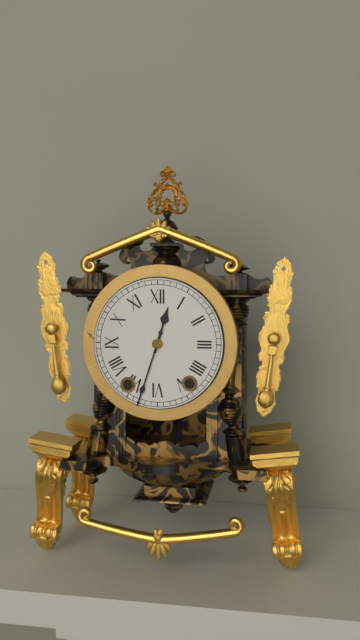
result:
12.33
